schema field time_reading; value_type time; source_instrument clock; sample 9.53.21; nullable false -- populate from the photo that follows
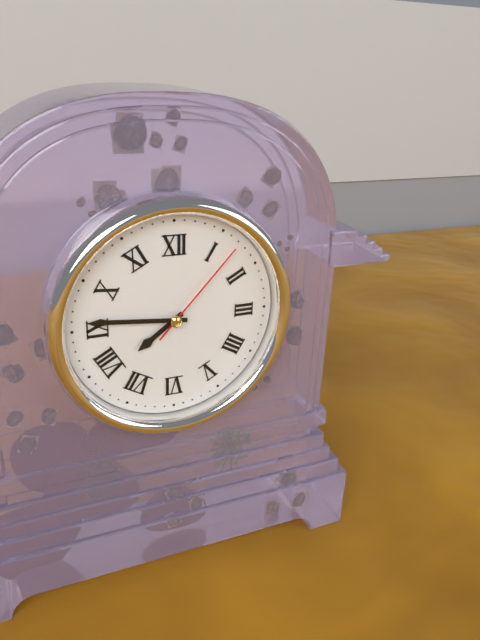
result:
7.46.07
